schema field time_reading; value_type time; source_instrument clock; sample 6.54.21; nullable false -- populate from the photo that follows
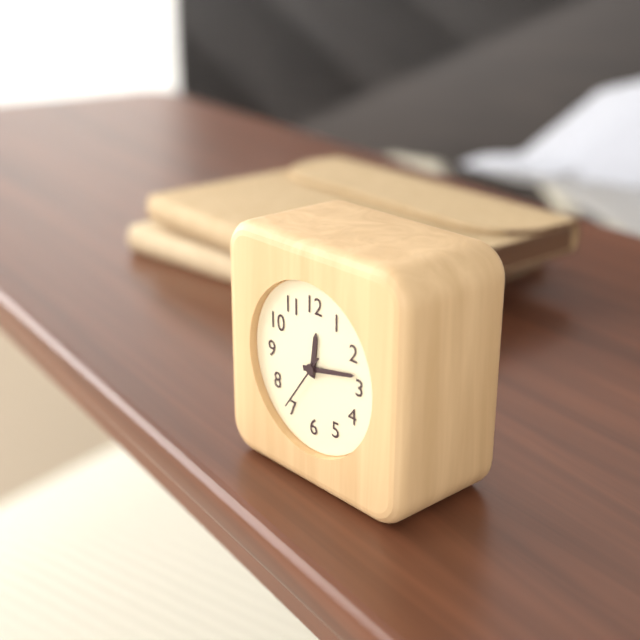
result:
12.13.36
